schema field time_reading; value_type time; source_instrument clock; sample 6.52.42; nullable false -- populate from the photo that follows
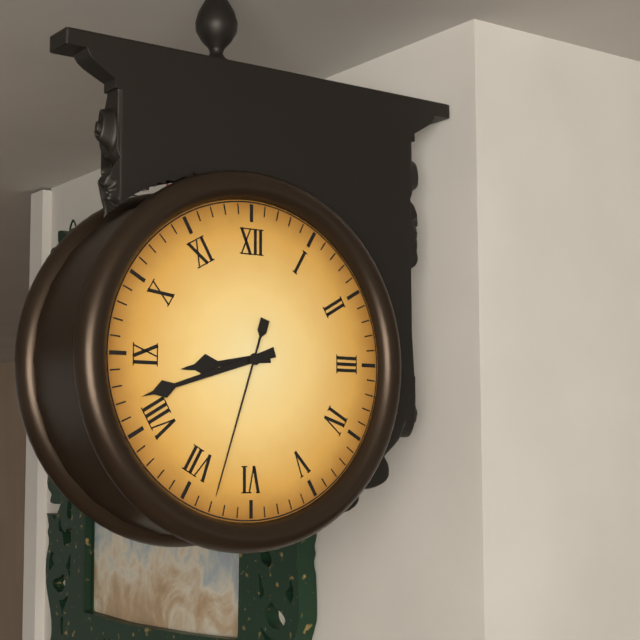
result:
8.42.33
